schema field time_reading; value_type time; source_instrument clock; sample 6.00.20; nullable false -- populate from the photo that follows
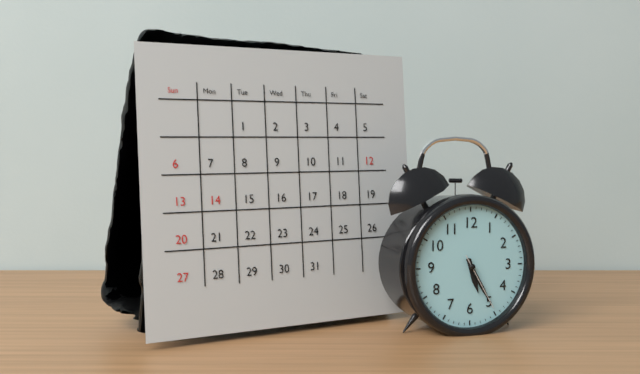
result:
5.25.25
